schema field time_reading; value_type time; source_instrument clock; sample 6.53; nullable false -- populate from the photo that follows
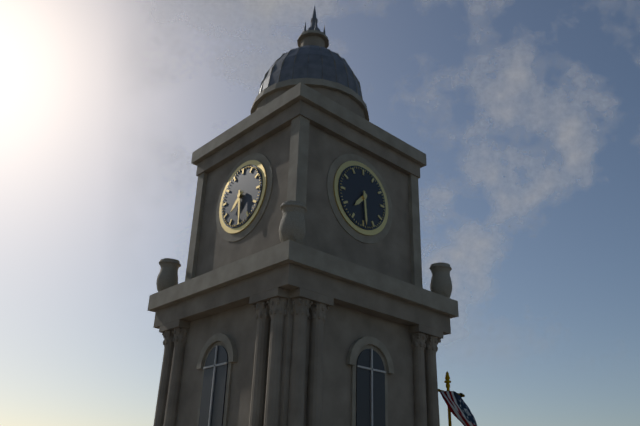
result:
7.29
